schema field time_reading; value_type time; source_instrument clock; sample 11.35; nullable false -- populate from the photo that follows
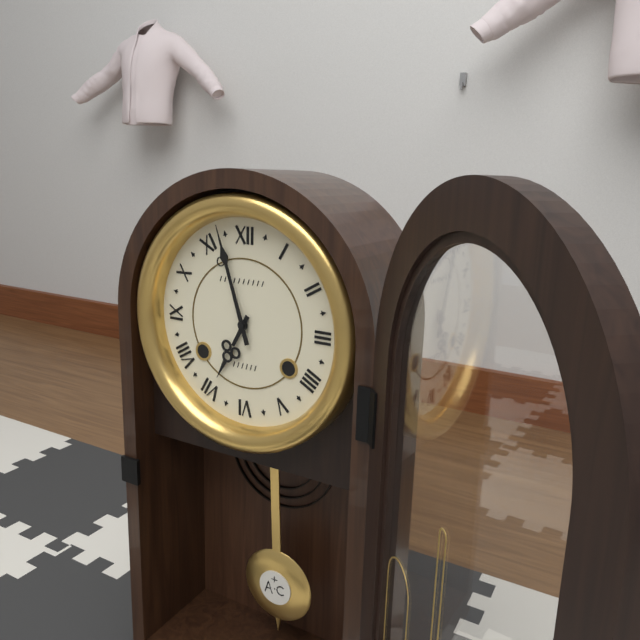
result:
6.57
